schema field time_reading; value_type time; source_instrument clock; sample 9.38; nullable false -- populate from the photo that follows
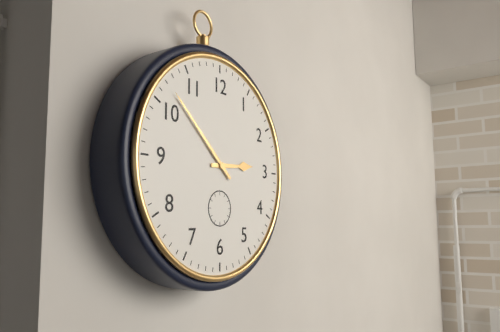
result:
2.52
